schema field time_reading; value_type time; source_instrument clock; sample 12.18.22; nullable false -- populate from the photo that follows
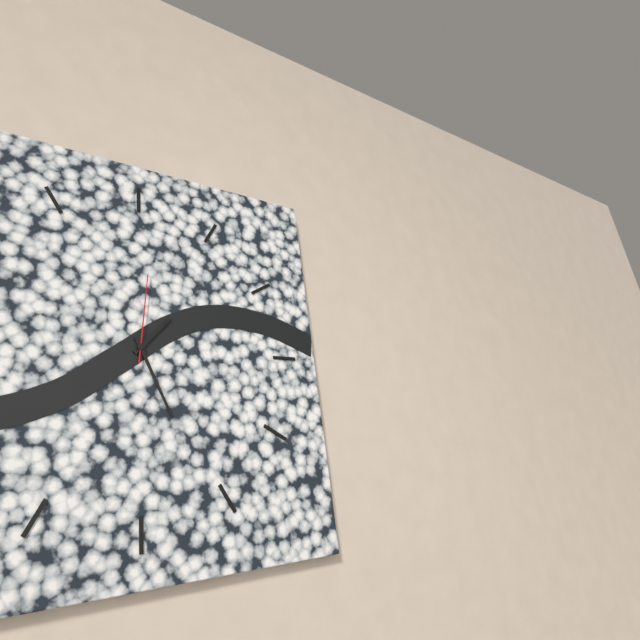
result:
1.26.01
